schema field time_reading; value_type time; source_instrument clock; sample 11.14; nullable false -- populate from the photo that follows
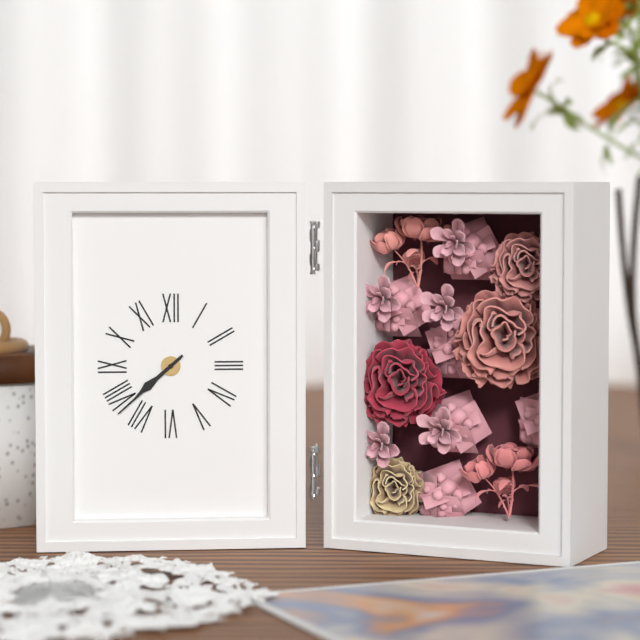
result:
7.38
